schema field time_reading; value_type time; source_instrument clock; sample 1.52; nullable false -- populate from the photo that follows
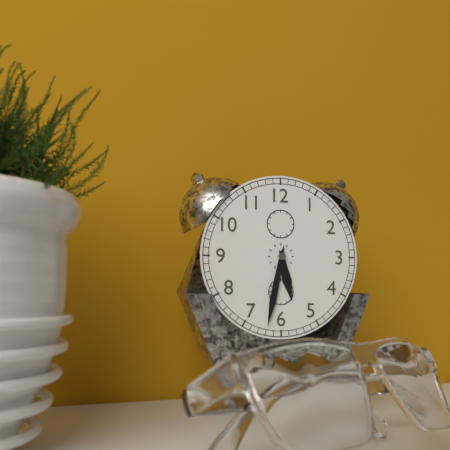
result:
5.32
